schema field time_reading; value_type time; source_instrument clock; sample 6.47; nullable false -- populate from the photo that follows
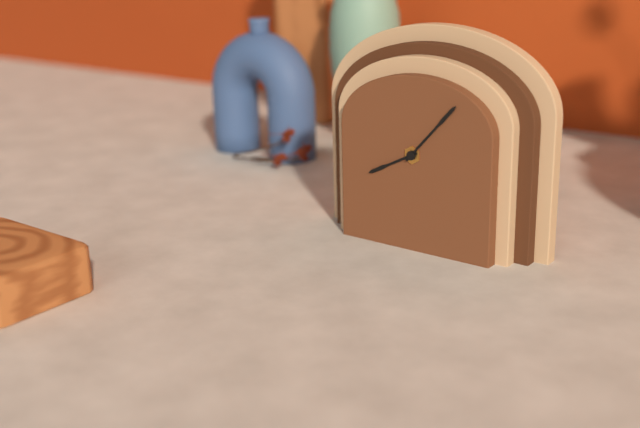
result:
8.07
